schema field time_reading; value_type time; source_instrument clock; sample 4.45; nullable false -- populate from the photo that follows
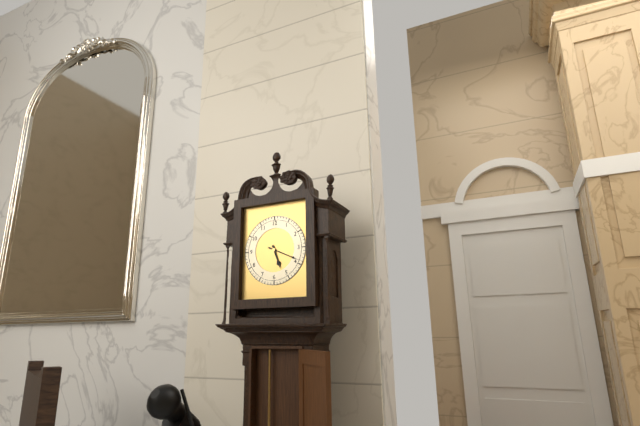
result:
5.19
